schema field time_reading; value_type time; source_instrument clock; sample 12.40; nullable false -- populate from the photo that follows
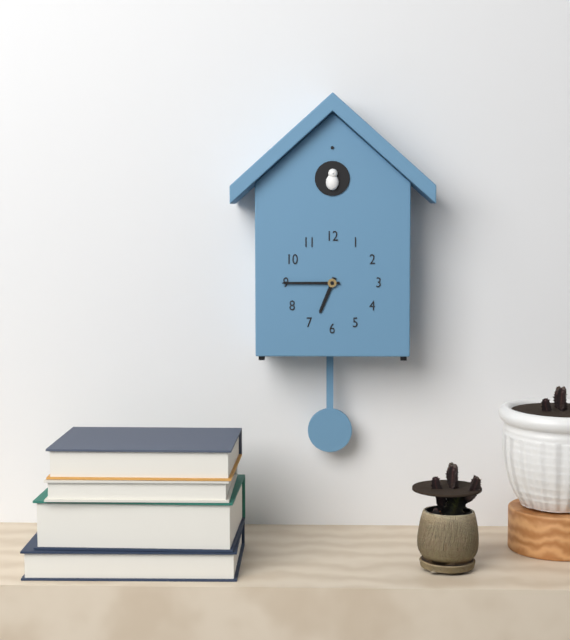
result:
6.45
